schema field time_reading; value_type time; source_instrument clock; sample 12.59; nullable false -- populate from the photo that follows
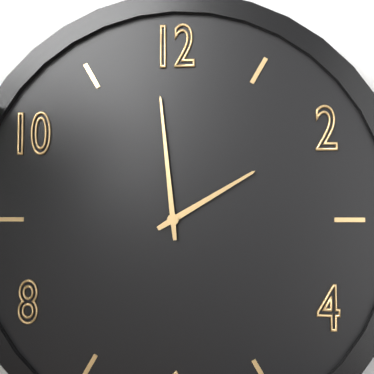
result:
1.59
